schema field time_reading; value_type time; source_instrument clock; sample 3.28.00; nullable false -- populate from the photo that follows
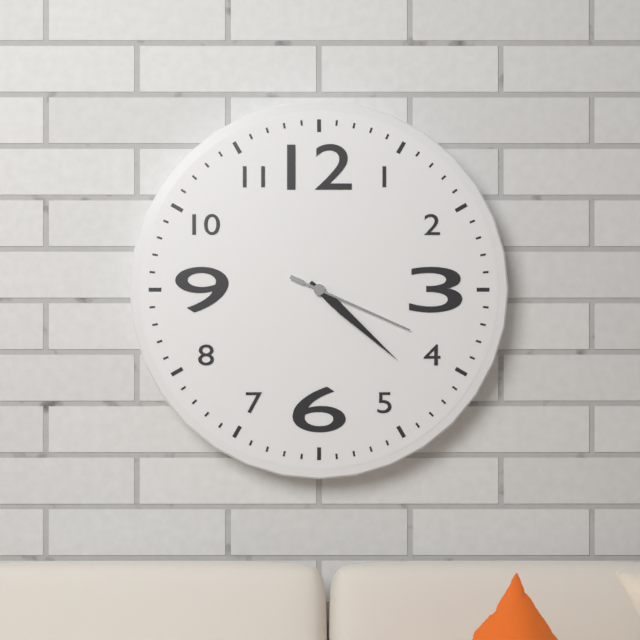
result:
4.22.19
